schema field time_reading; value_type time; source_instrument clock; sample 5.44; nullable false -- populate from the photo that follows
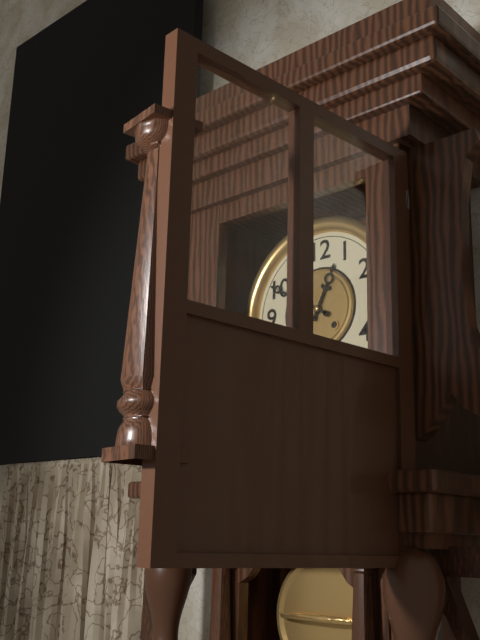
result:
12.50
